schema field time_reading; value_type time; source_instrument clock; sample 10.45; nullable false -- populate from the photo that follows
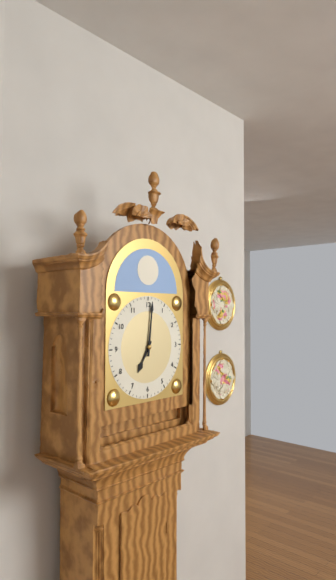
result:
7.01
